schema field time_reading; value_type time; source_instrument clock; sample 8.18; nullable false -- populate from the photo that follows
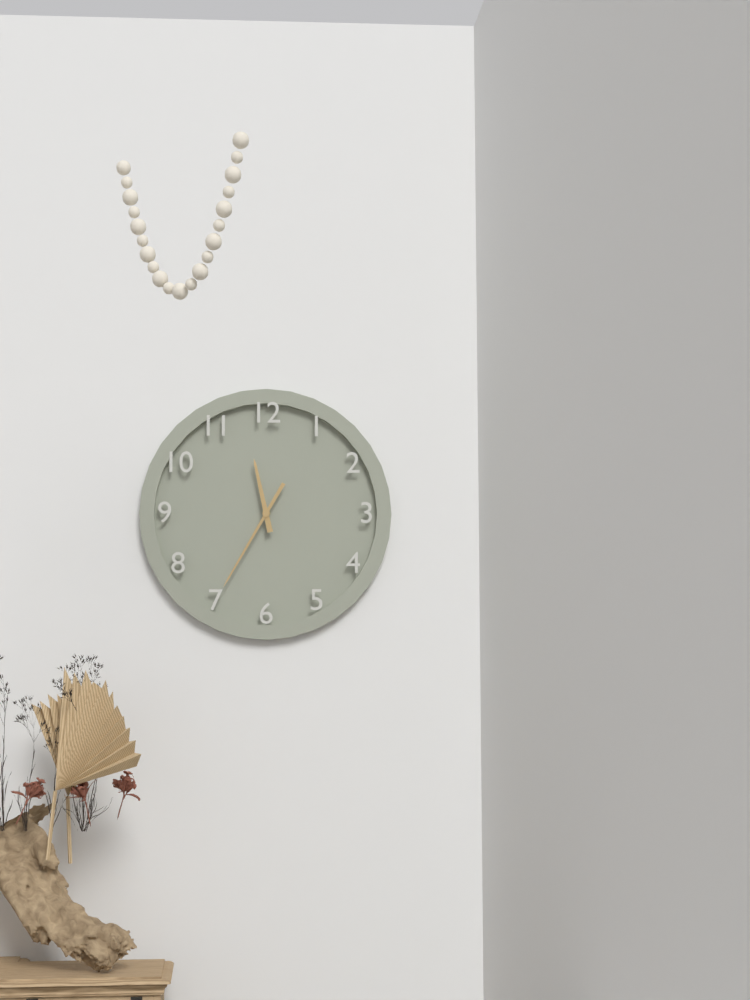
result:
11.35
